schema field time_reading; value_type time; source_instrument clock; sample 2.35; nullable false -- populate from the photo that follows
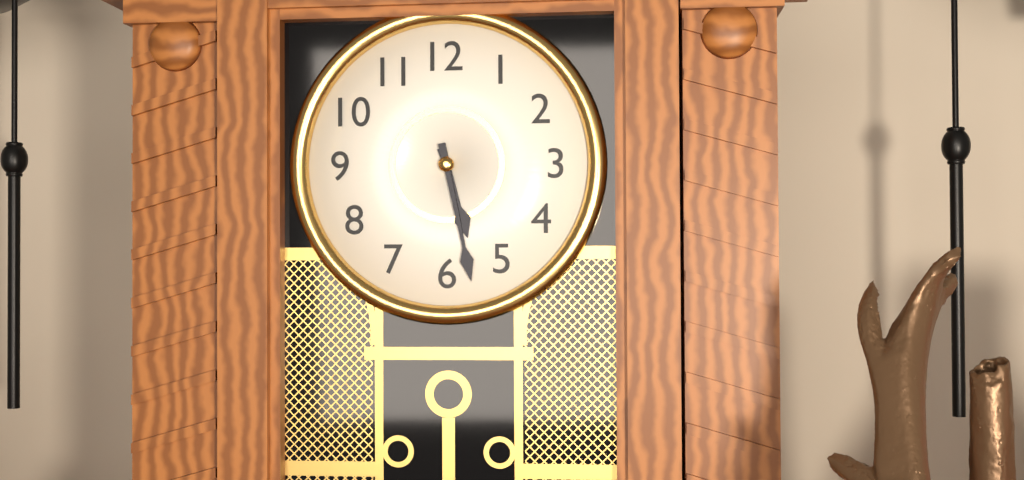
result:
5.28
